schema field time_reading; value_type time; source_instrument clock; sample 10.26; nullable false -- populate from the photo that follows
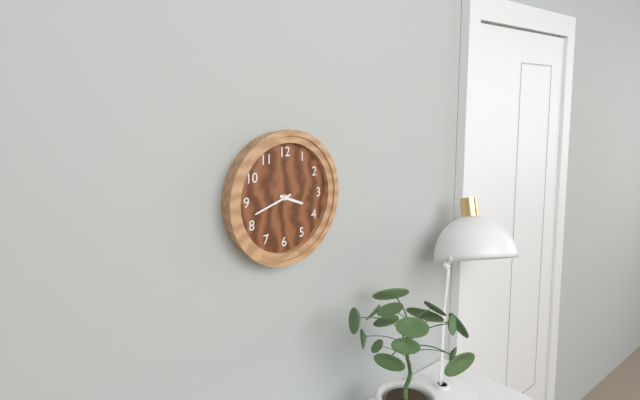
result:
3.42
